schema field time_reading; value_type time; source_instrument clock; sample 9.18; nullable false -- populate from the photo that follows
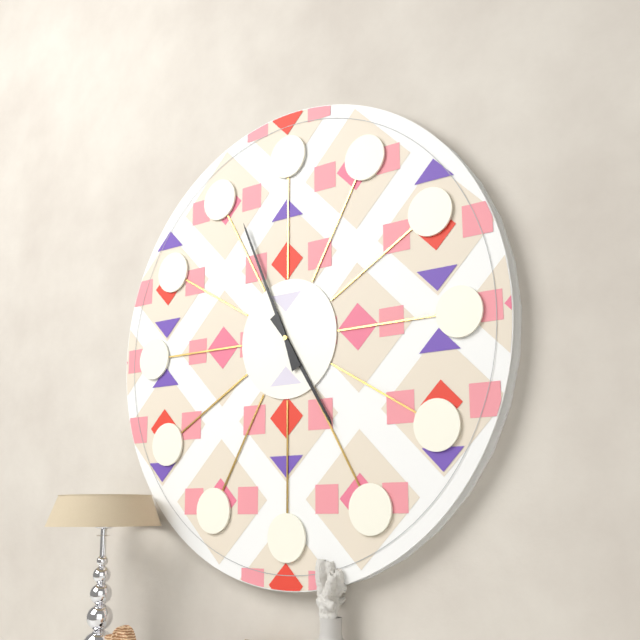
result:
4.56
